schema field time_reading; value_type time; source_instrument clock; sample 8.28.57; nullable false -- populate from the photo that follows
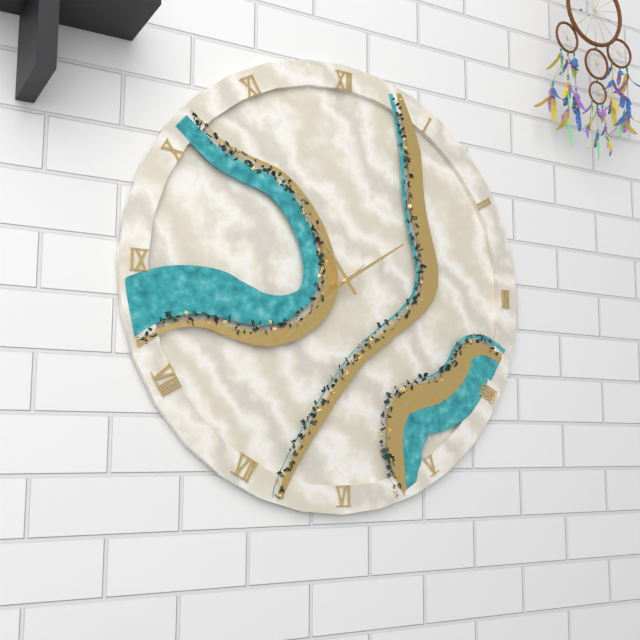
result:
1.54.38
